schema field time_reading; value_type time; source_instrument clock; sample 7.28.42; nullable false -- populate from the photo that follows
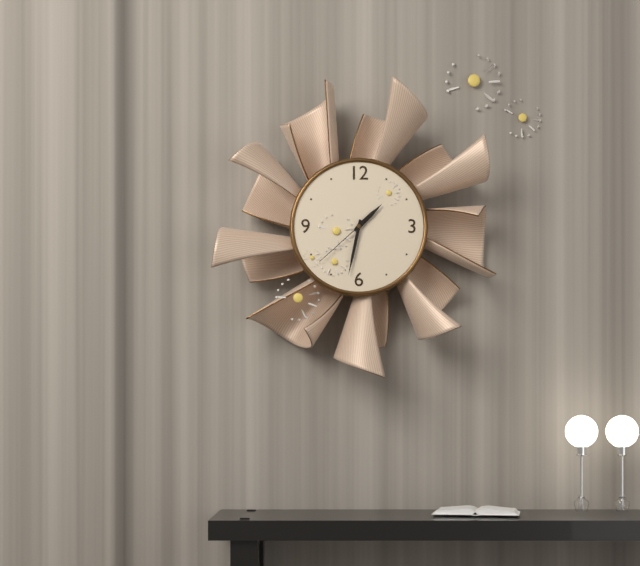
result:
1.32.38
